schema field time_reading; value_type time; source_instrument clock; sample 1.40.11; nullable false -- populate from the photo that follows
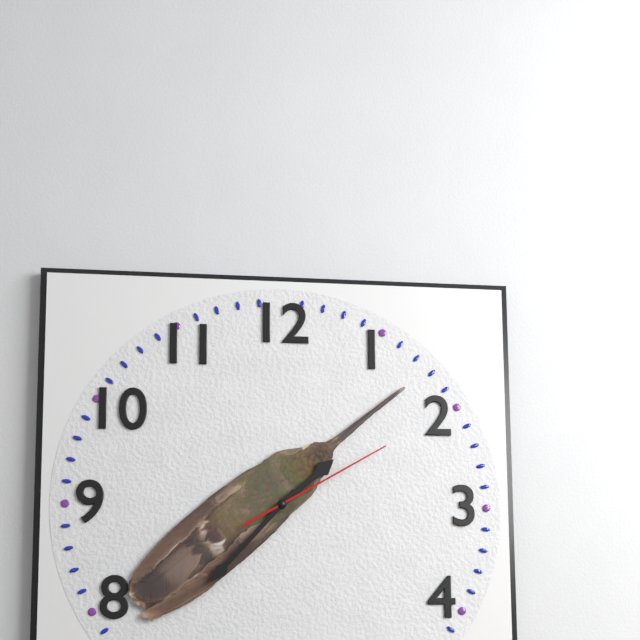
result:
1.37.10
